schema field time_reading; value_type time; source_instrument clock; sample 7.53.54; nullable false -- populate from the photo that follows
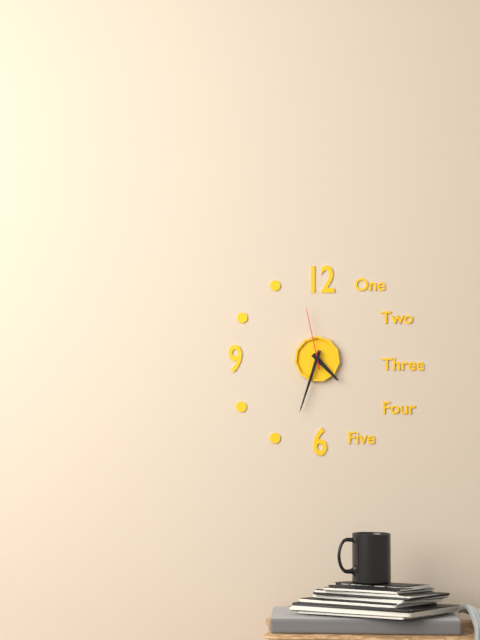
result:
4.33.58
